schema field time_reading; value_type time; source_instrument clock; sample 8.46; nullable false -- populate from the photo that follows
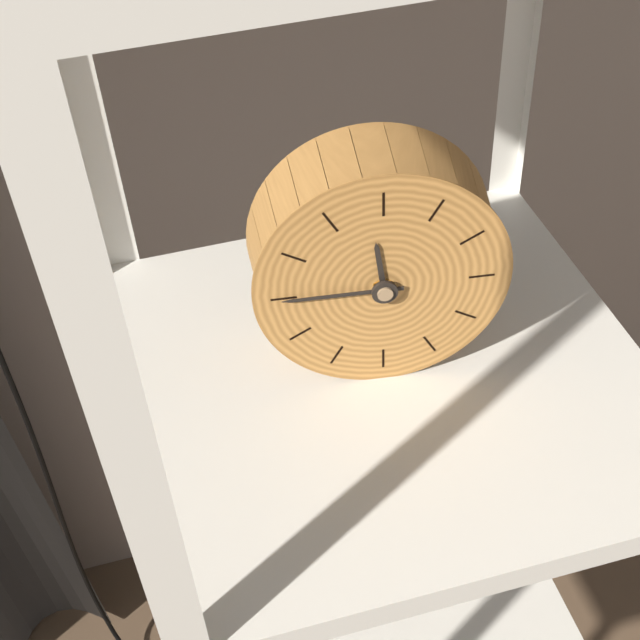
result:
11.45
